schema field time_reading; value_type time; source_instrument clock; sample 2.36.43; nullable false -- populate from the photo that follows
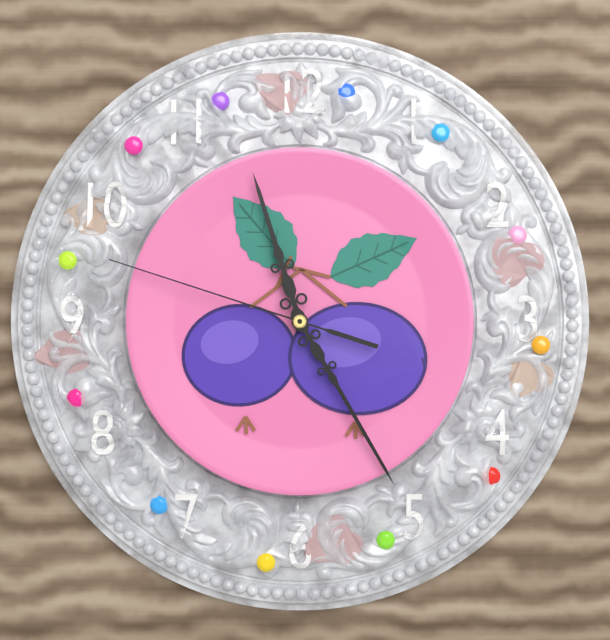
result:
11.25.48
